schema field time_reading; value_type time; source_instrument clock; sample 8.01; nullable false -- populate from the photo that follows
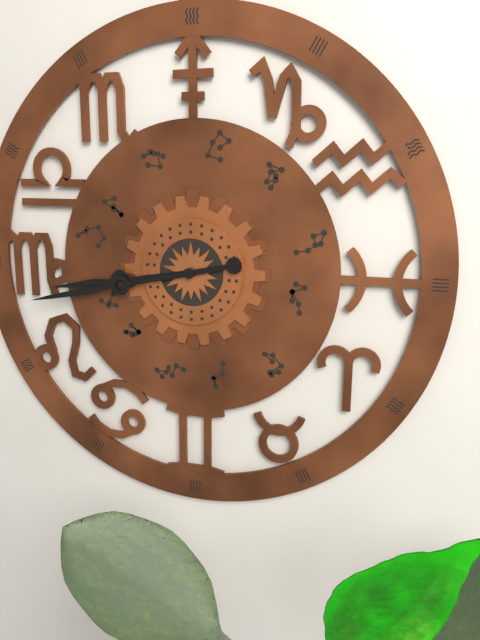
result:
8.43
